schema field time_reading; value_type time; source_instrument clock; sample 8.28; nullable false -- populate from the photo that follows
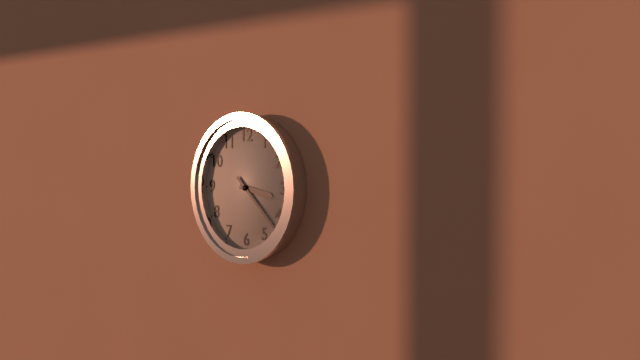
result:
3.22
